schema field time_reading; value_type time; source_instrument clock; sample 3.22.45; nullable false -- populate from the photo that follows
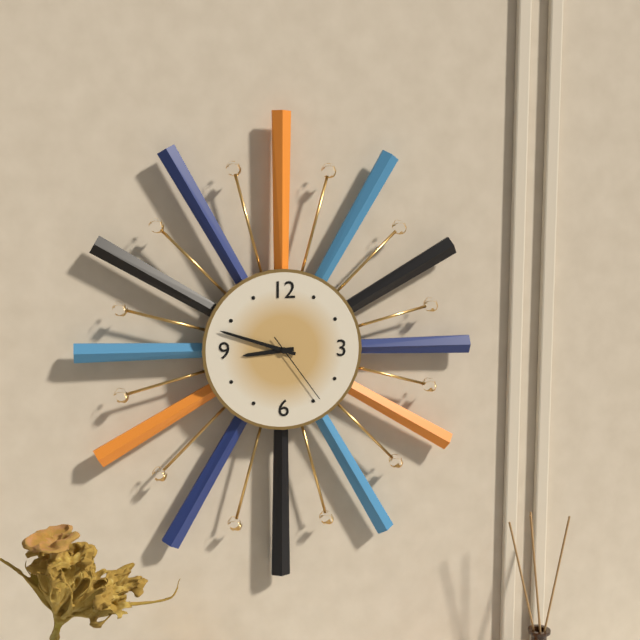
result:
8.48.24
